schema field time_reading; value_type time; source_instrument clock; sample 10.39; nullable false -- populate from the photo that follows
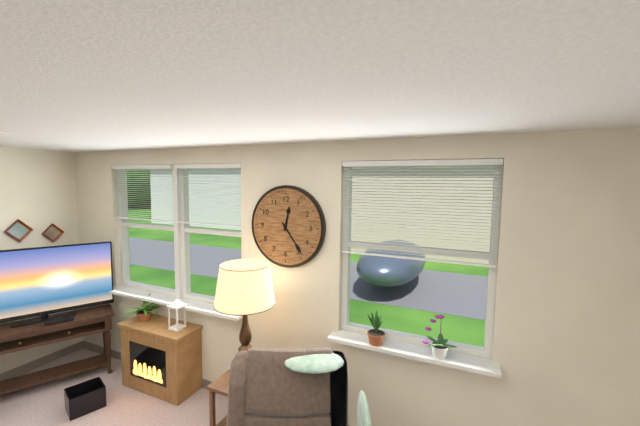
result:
12.24
